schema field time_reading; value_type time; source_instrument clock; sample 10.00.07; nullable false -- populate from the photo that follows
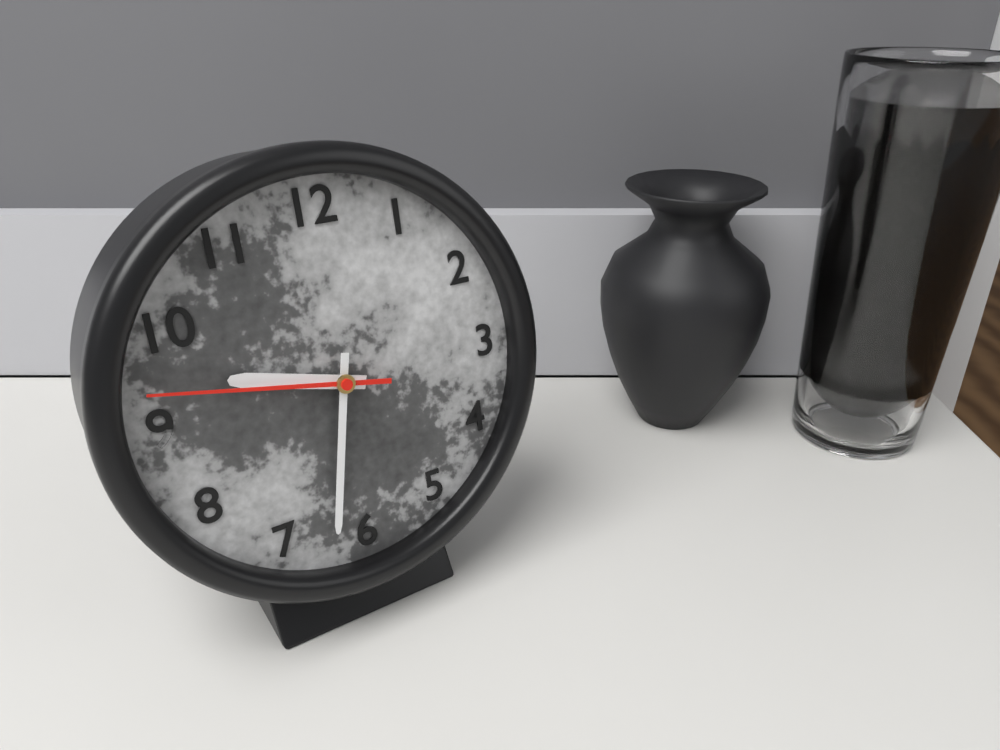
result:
9.32.47
